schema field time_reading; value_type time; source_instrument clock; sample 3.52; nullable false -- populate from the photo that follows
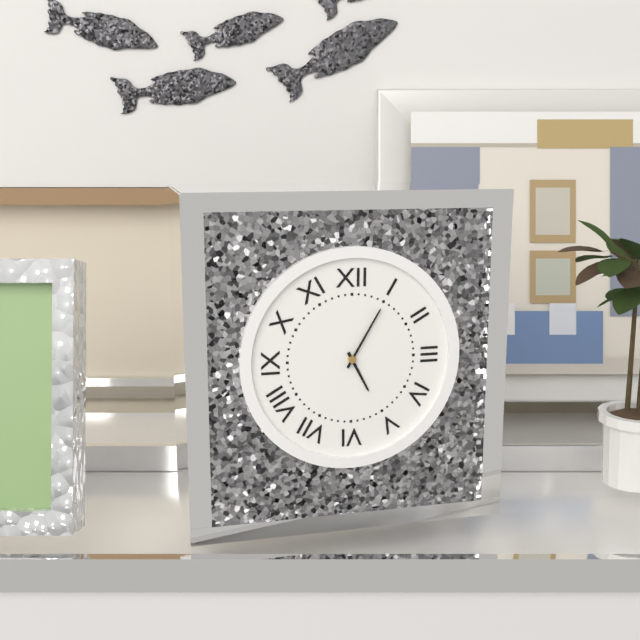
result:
5.05
